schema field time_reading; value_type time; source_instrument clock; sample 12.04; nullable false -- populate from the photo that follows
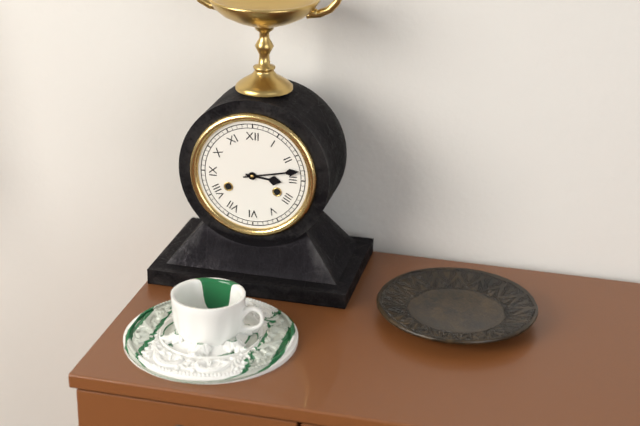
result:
3.13
